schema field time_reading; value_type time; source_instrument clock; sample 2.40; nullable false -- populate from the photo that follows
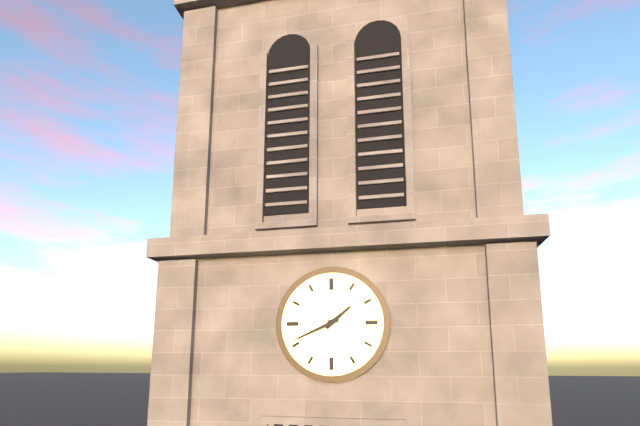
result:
1.41
